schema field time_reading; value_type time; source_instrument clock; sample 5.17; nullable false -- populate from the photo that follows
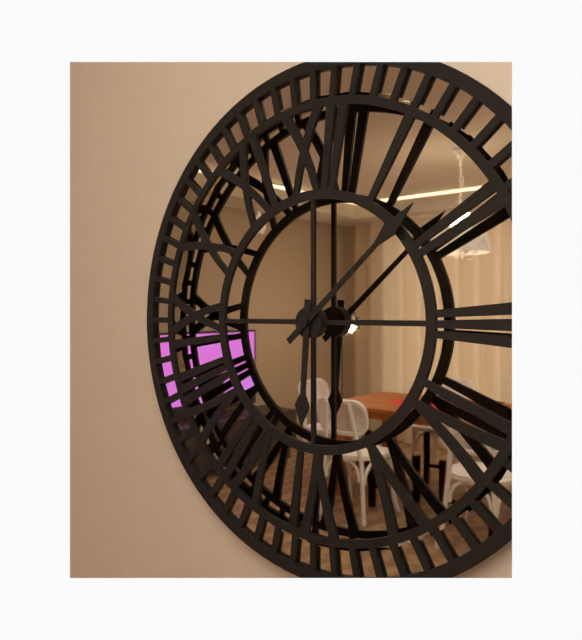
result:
6.08
